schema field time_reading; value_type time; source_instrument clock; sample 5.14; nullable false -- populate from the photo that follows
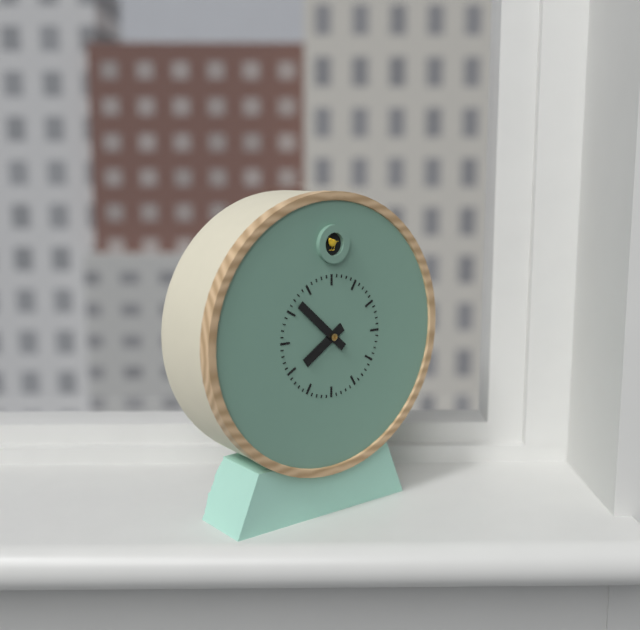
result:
7.52
